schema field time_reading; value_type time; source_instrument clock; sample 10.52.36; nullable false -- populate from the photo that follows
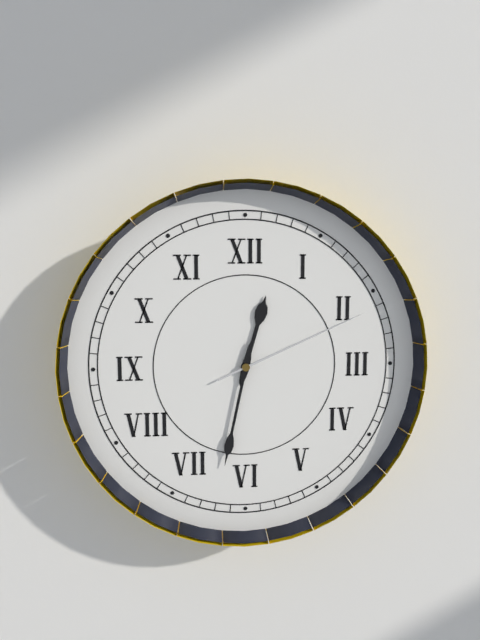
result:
12.32.11
